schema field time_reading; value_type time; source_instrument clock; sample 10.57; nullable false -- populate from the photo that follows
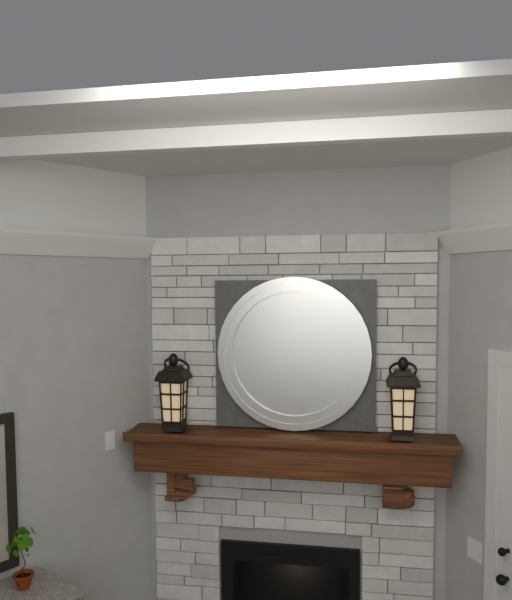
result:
3.21
